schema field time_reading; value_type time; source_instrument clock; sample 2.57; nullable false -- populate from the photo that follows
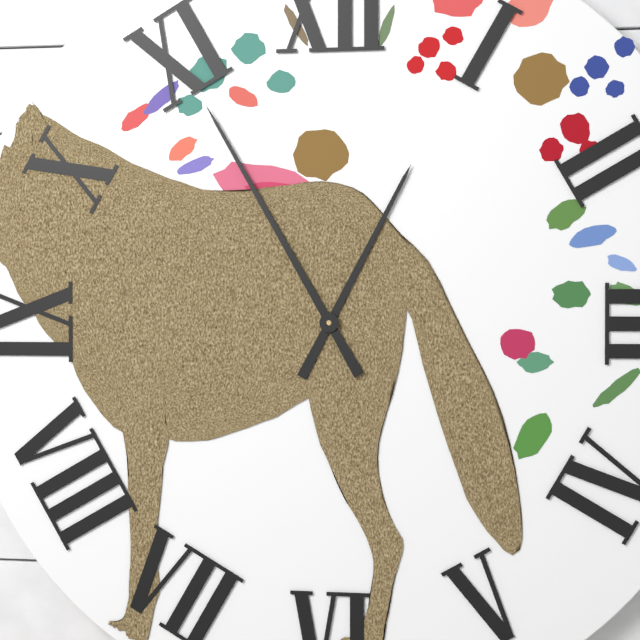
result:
12.55
